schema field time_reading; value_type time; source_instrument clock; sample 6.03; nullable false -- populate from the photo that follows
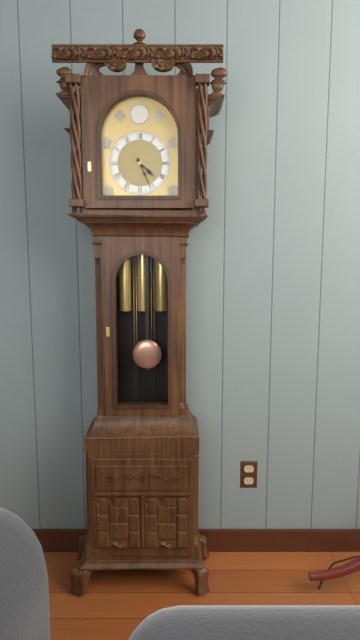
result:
4.26
